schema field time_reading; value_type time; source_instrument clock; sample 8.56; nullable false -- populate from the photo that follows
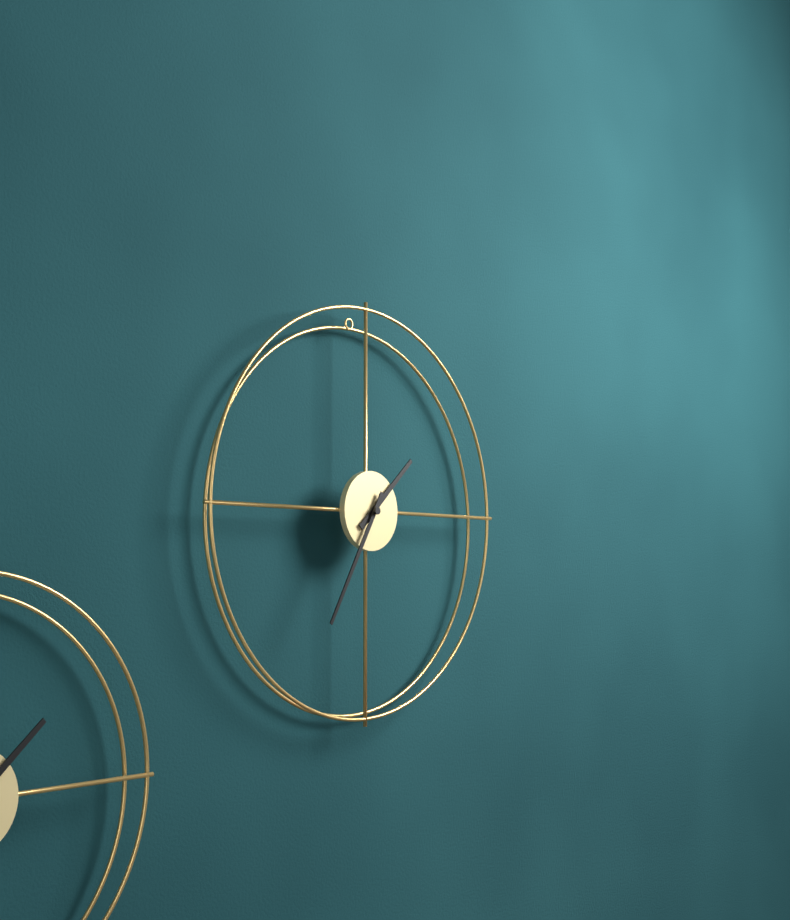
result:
1.35
